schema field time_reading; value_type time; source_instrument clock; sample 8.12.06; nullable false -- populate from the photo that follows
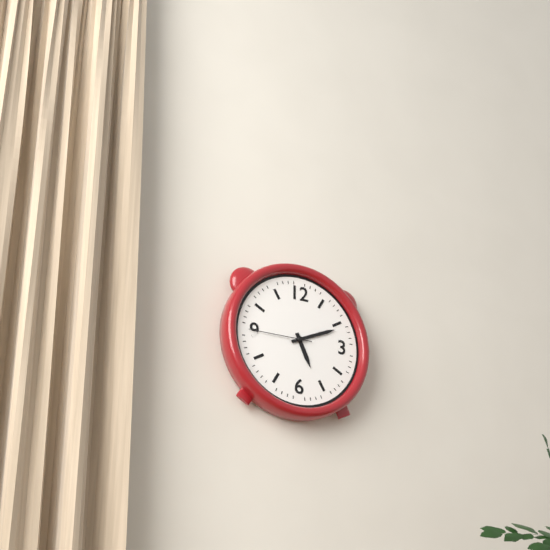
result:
5.11.45
